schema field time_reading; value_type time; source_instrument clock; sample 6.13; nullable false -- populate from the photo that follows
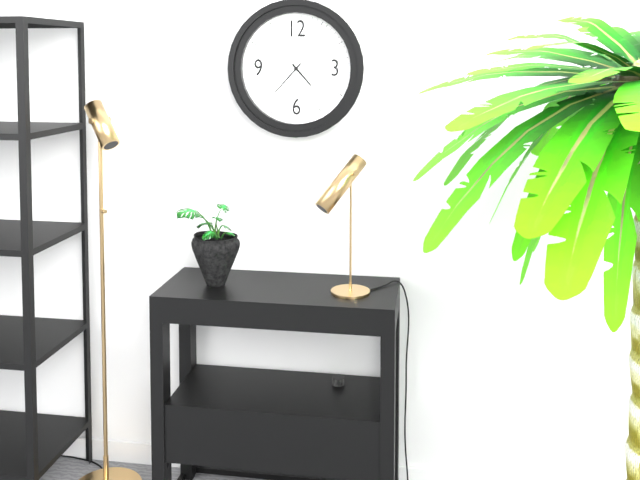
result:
4.37
